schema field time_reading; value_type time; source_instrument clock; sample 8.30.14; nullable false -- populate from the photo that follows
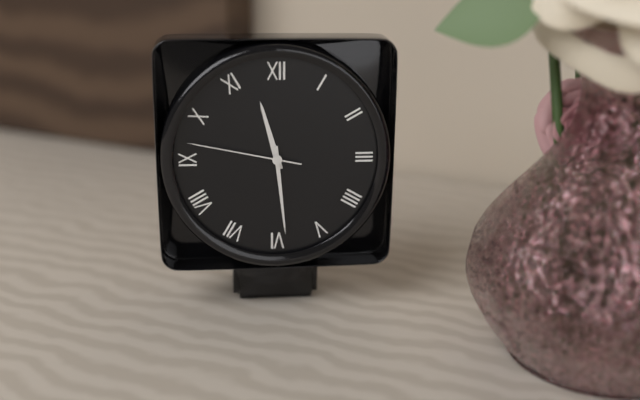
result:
11.29.47
